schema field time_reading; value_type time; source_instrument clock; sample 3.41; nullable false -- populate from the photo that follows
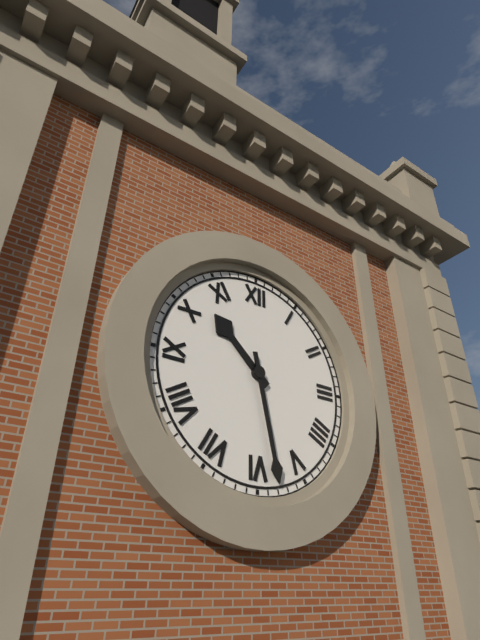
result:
10.28
